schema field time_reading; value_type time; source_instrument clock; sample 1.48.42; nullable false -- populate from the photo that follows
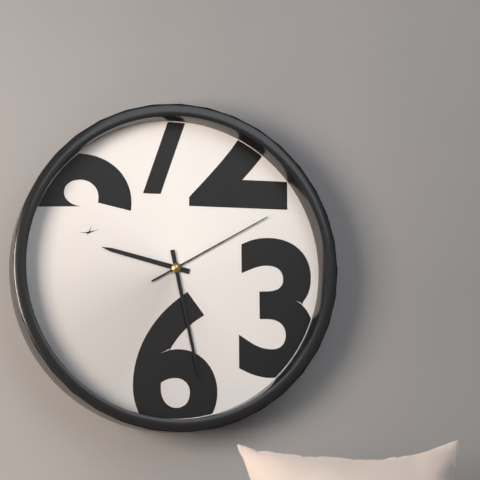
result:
9.28.10
